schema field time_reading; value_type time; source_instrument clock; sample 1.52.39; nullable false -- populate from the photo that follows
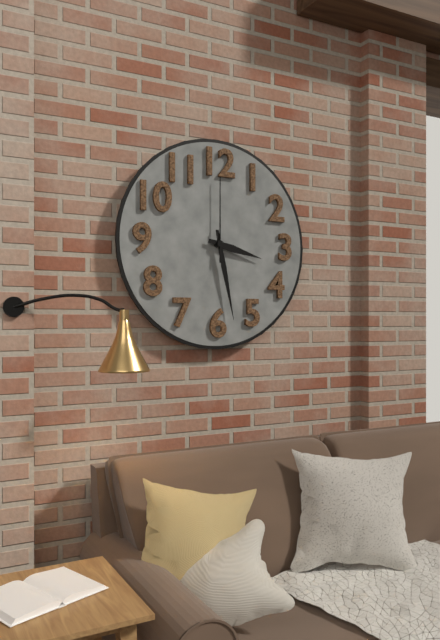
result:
3.28.00
